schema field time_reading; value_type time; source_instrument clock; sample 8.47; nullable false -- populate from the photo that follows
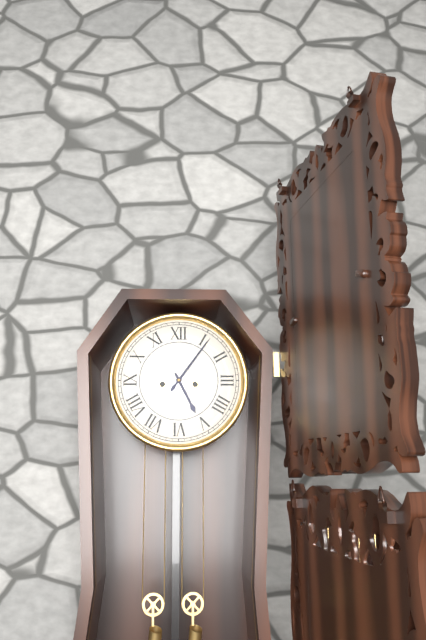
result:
5.06
